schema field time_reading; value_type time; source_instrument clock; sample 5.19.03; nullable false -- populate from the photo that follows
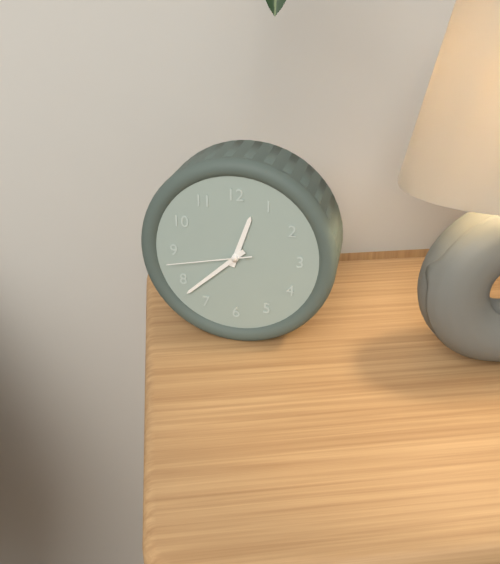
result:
12.38.43
